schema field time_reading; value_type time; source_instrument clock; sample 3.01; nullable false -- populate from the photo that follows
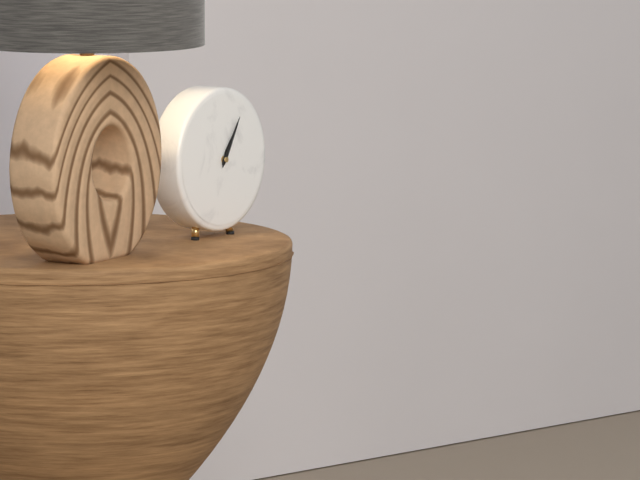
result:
1.05
